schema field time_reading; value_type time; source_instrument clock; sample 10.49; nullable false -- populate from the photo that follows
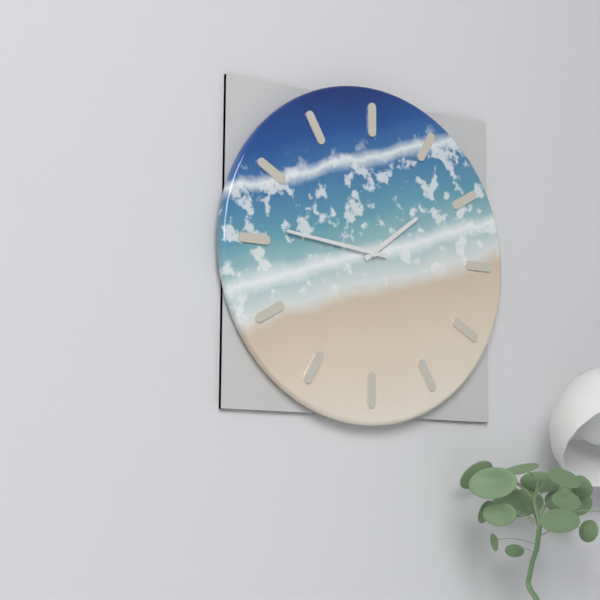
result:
1.46
